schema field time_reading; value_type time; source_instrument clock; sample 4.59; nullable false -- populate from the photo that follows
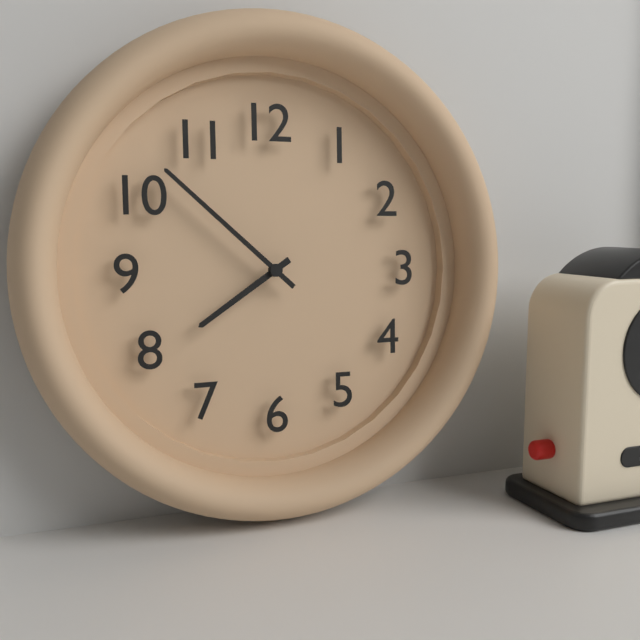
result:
7.52
